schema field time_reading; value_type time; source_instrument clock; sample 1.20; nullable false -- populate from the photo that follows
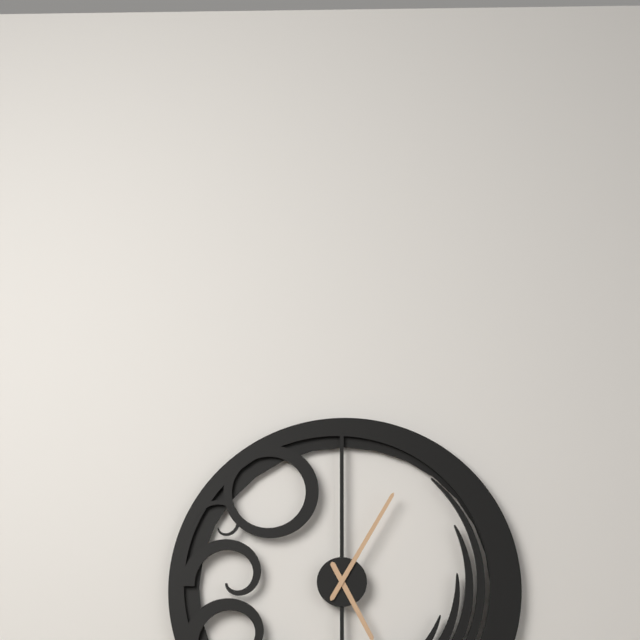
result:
5.05
